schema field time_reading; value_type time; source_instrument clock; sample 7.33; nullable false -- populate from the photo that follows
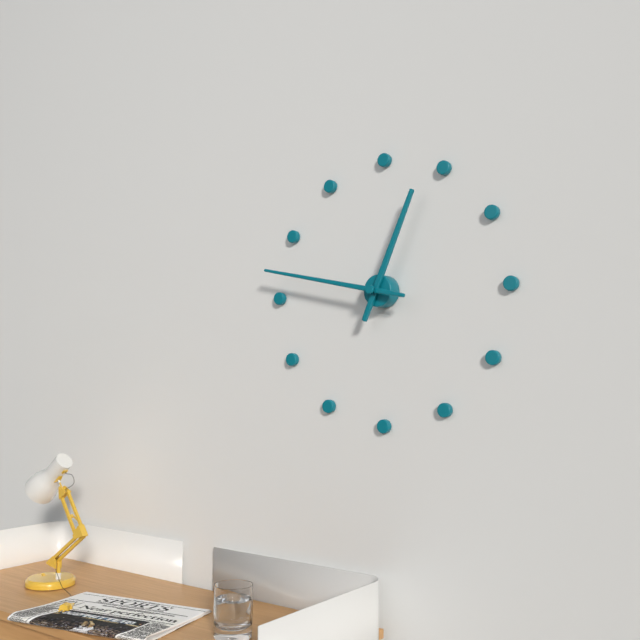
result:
12.47
